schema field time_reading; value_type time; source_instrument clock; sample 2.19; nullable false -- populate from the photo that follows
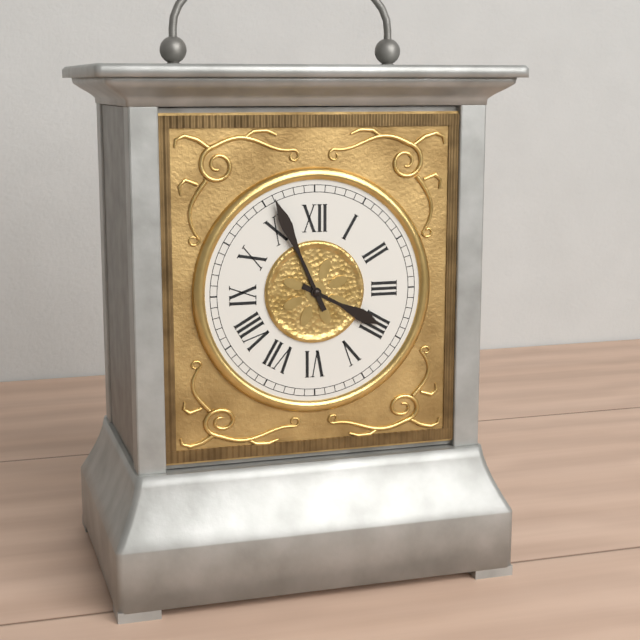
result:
3.56
